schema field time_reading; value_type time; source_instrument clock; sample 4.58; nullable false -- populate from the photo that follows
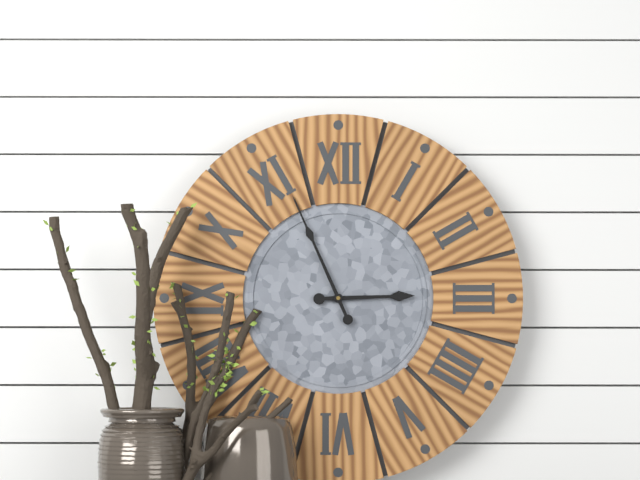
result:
2.56
